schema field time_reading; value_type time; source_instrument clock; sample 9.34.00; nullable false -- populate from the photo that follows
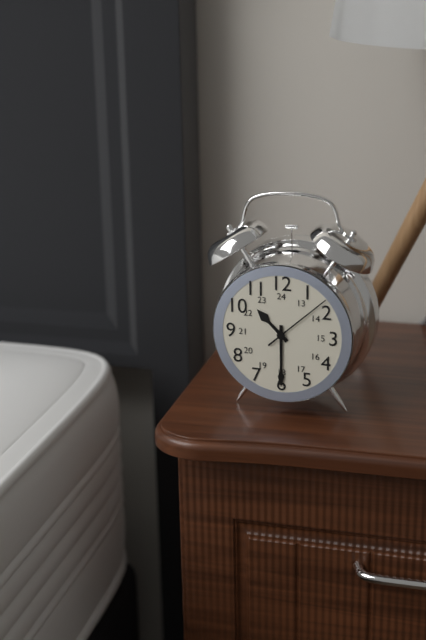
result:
10.30.08
